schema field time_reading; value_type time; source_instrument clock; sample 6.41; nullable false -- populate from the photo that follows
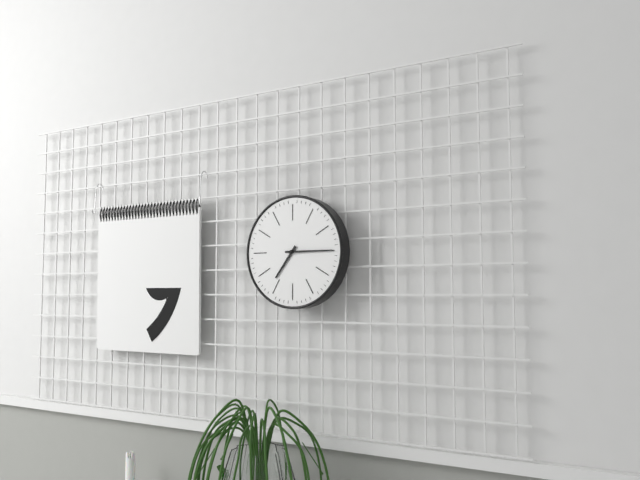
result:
7.15
